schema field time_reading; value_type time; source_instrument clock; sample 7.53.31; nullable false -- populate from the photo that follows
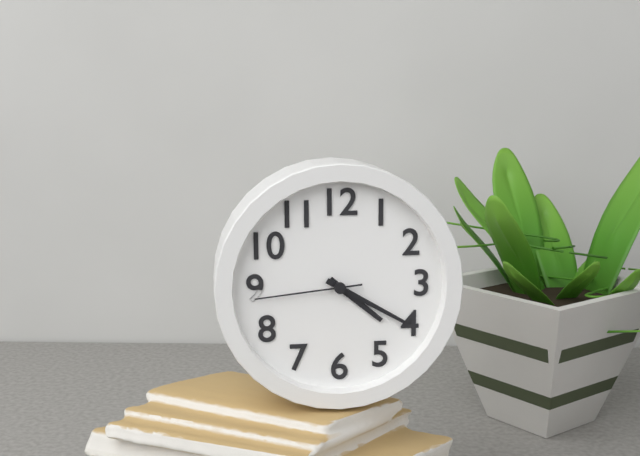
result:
4.20.44
